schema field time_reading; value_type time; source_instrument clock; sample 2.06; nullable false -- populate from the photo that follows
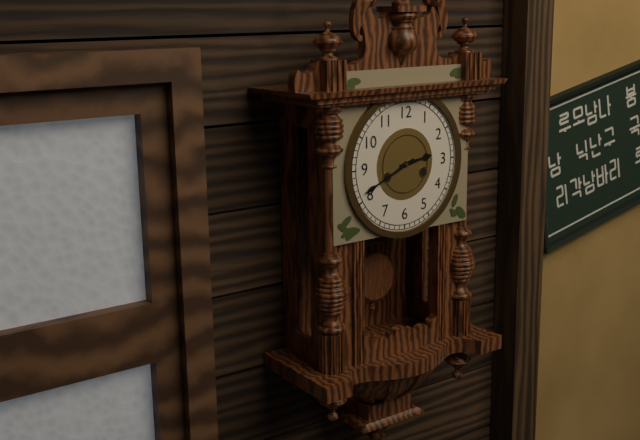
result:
2.41
